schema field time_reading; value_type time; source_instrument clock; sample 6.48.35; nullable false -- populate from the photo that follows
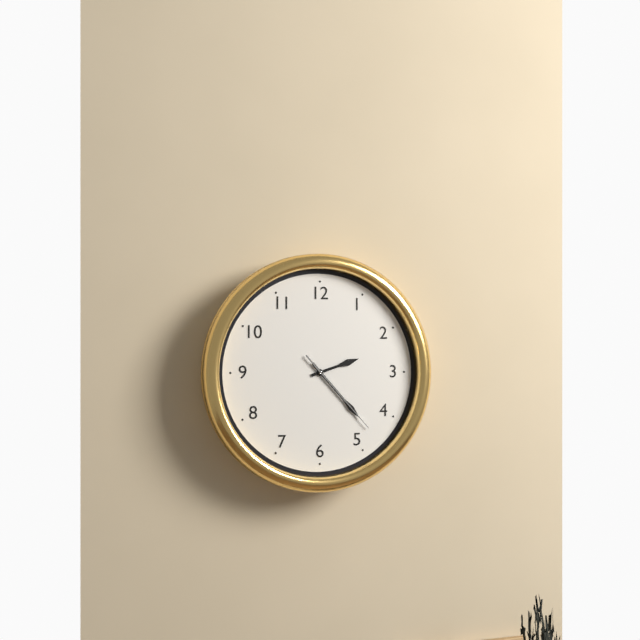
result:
2.23.23
